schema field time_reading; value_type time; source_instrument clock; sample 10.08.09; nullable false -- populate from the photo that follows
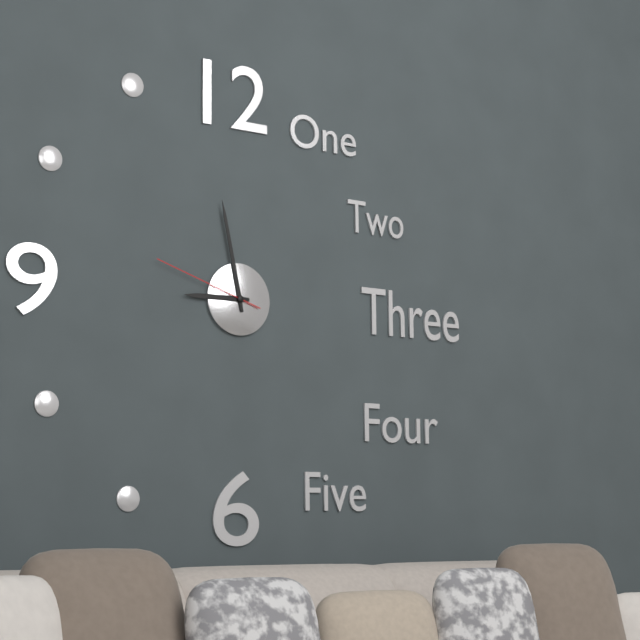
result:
8.58.48
